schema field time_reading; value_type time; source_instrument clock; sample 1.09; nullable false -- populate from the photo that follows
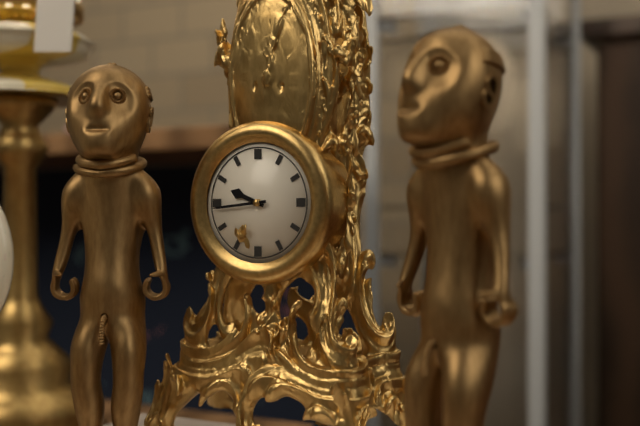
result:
9.44
